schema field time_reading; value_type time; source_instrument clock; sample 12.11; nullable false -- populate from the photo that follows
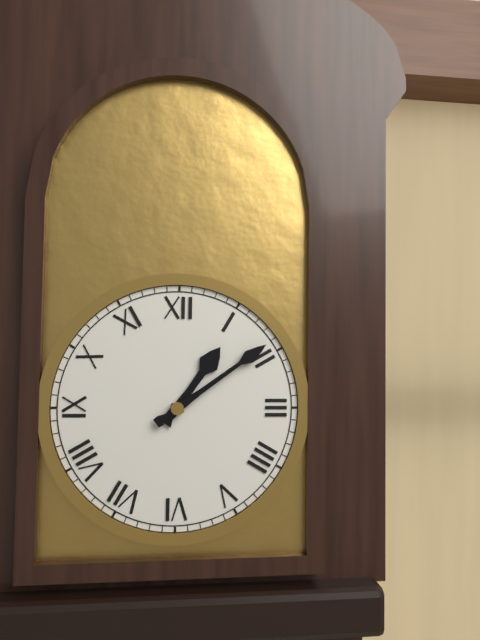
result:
1.09
